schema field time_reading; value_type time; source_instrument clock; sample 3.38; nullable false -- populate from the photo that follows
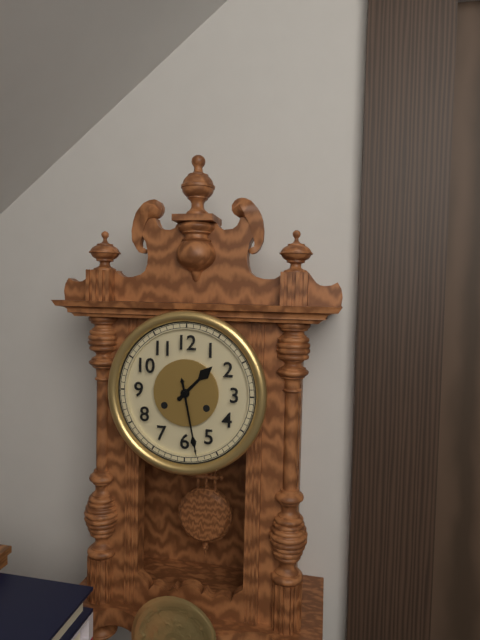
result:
1.28
